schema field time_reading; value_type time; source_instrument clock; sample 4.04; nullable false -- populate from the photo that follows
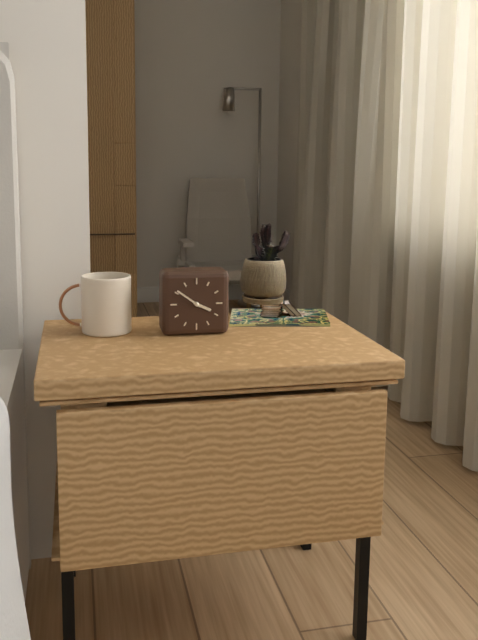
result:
3.51
